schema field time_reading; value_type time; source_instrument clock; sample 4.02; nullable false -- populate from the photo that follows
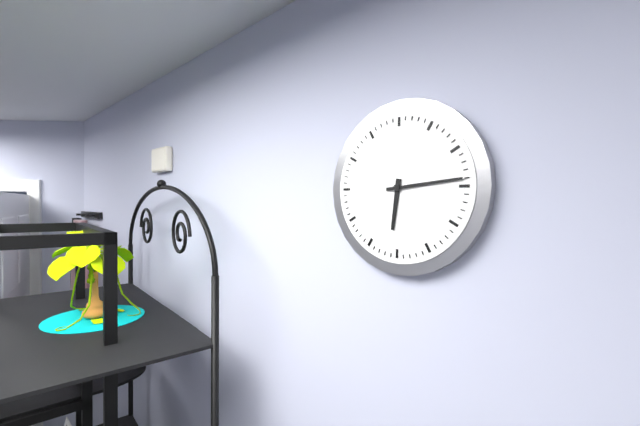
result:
6.14
